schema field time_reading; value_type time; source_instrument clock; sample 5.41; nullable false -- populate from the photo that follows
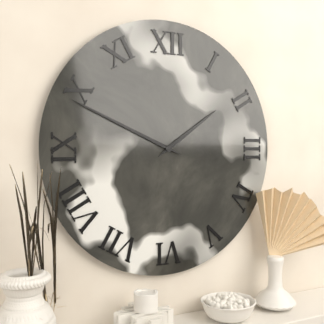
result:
1.49
